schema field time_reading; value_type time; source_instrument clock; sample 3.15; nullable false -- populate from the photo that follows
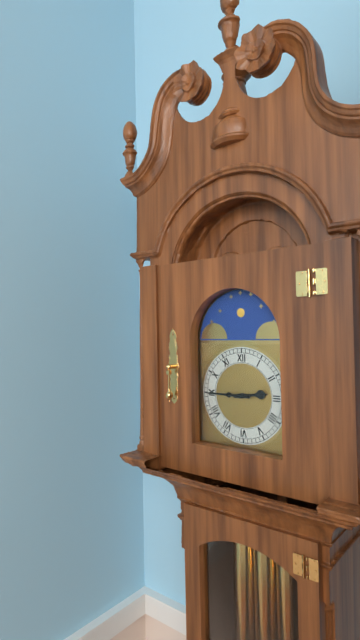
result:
2.45
